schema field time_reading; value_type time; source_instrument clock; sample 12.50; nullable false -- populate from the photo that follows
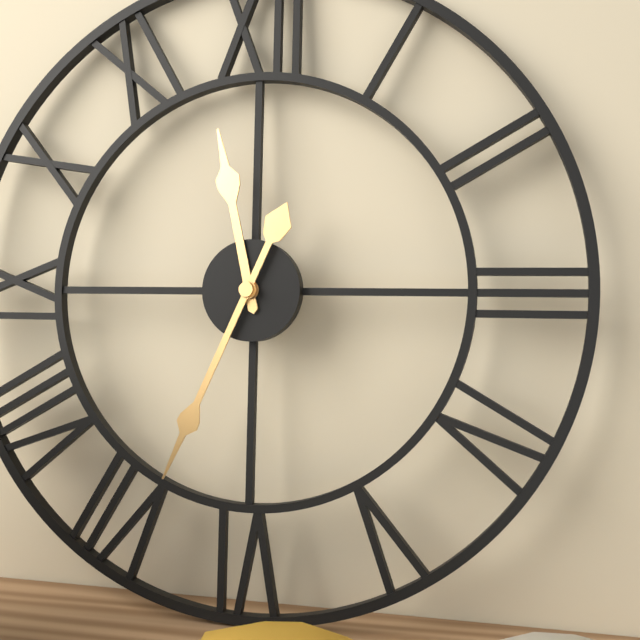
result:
11.34
